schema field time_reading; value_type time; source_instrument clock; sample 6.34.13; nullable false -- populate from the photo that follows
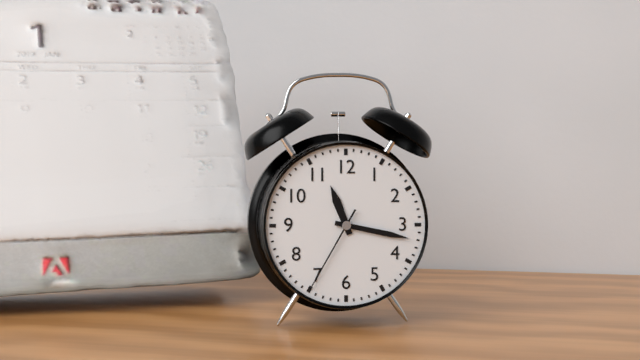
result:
11.17.35
